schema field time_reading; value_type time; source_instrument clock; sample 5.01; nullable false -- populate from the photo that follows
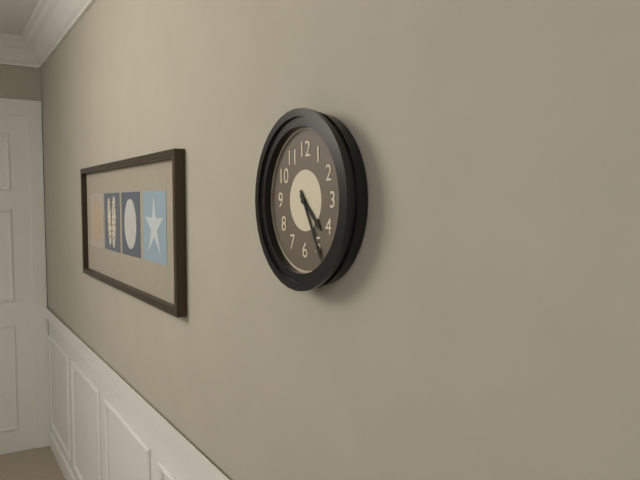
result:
4.25
